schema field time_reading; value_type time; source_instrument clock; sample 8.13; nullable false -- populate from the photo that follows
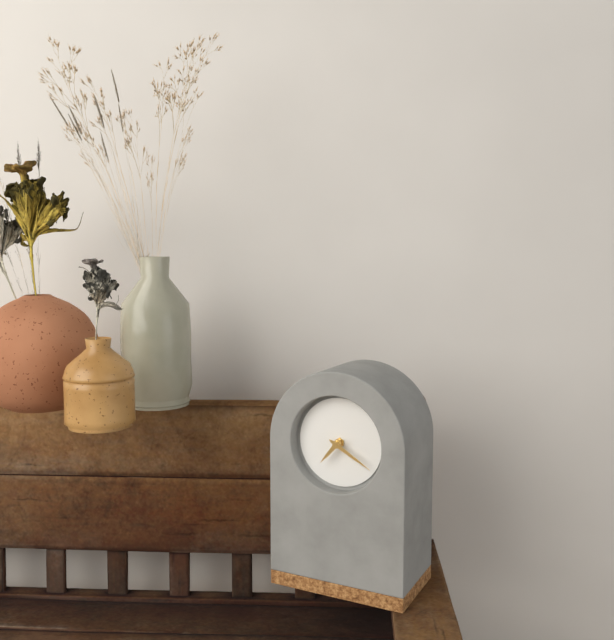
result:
7.20
